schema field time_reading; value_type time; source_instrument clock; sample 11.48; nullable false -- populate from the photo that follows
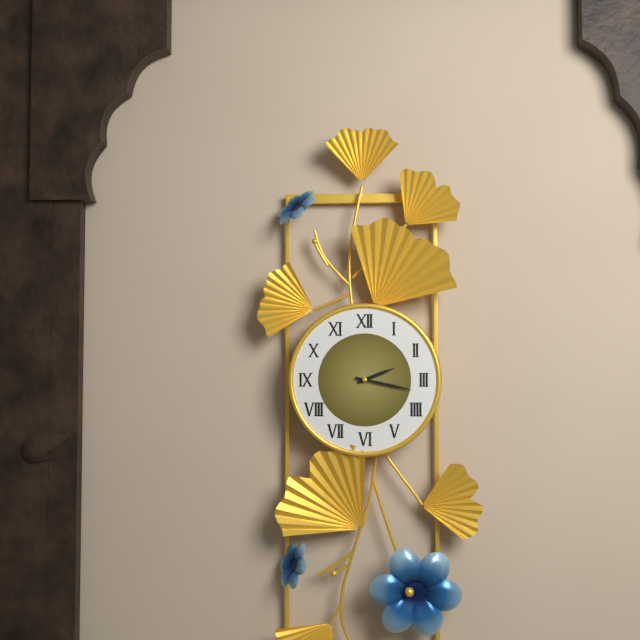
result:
2.17
